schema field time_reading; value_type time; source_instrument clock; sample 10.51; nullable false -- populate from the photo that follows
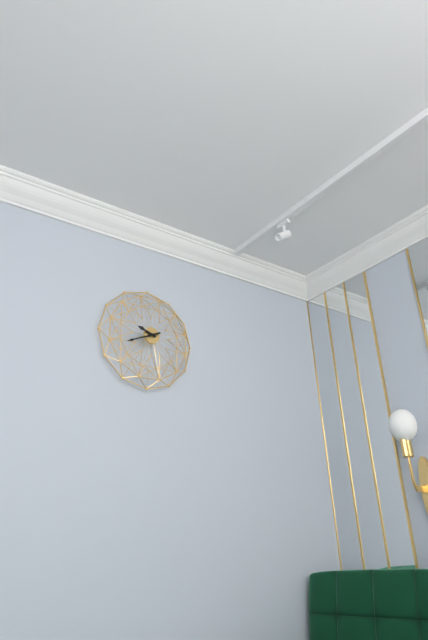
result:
9.41
